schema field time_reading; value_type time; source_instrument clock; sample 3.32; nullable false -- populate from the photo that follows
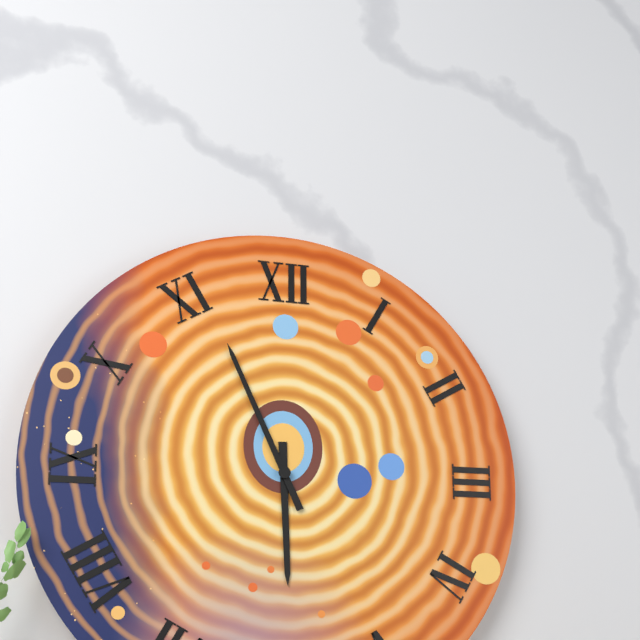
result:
5.56
